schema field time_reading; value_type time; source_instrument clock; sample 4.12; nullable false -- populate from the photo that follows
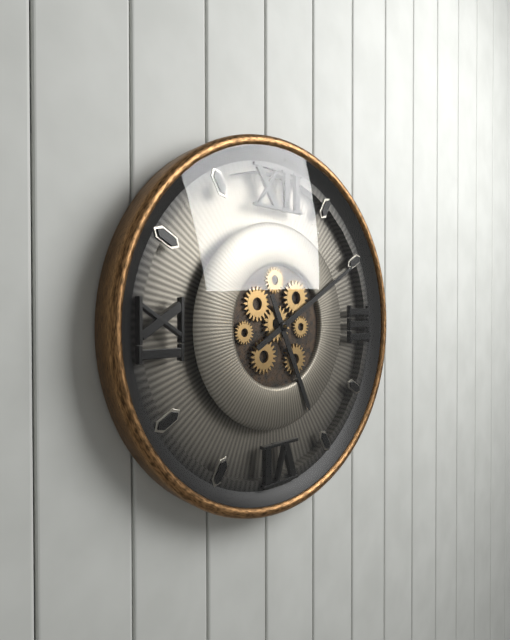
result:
5.10
